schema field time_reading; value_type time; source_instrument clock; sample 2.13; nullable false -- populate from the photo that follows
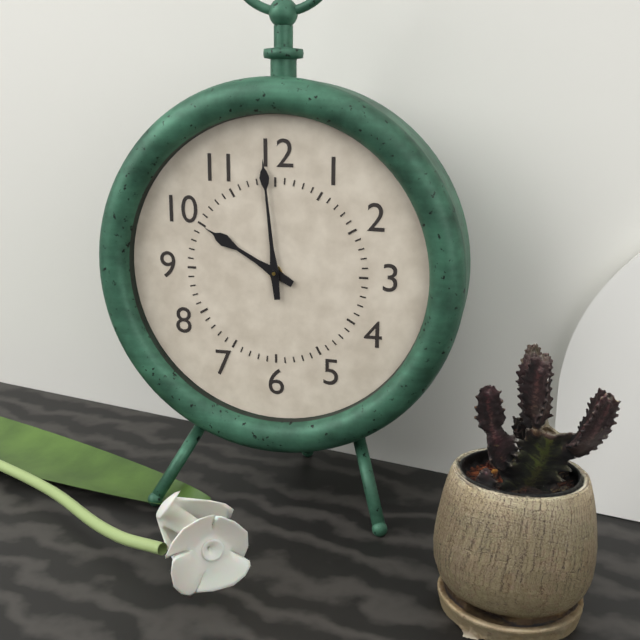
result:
9.59
